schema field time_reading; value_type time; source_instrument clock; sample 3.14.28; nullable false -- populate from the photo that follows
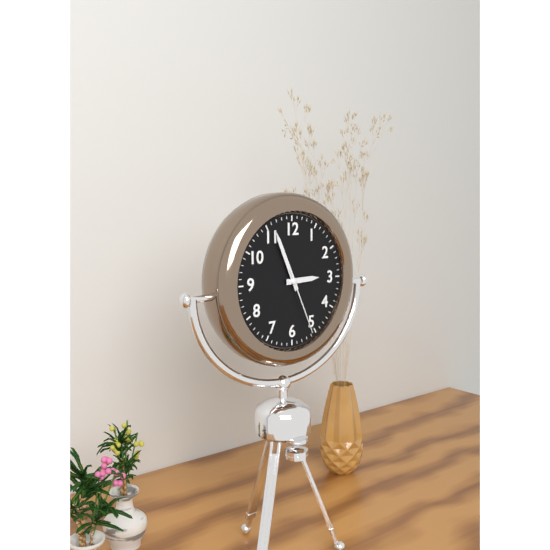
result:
2.56.26
